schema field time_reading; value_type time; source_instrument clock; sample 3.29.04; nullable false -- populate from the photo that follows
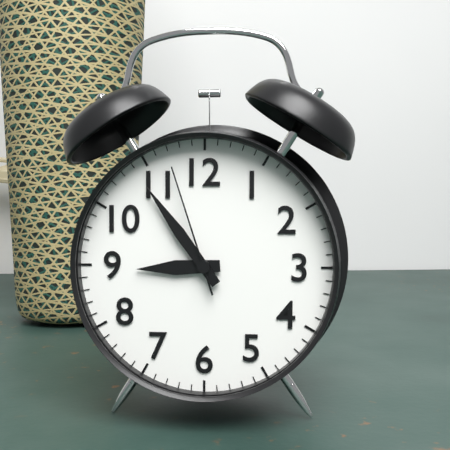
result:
8.54.57
